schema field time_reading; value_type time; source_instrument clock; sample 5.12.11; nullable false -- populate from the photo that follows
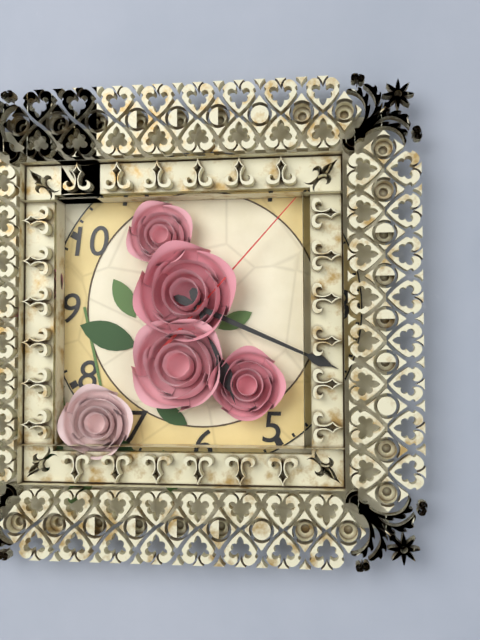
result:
5.19.07
